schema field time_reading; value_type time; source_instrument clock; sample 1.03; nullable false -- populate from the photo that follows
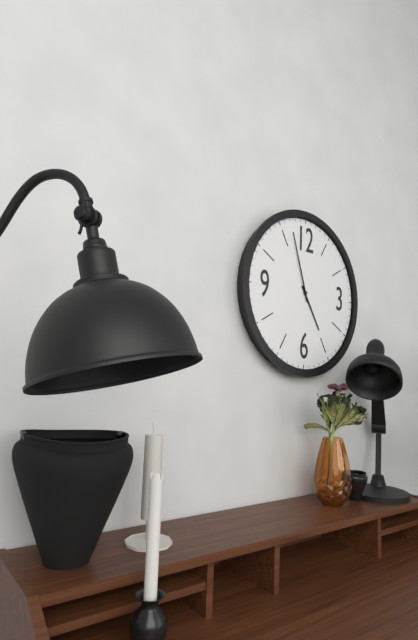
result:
4.57
